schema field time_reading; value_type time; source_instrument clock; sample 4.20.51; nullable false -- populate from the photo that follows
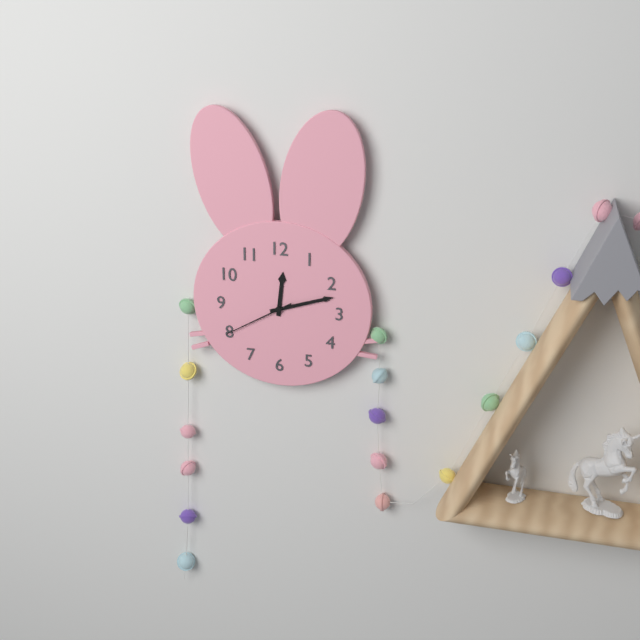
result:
12.12.40
